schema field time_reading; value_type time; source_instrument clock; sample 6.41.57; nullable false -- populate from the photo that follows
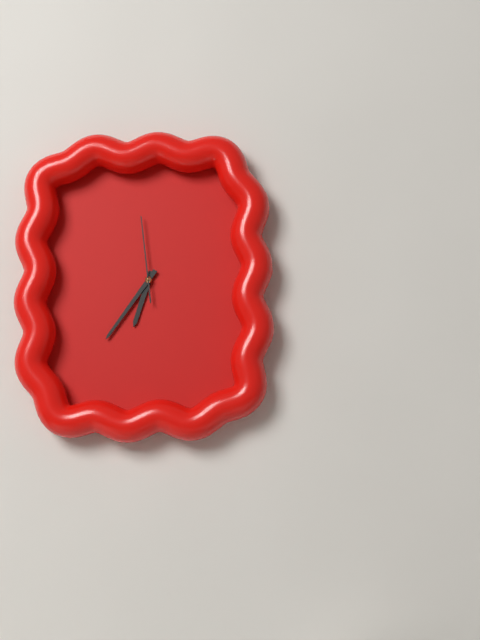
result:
6.36.59
